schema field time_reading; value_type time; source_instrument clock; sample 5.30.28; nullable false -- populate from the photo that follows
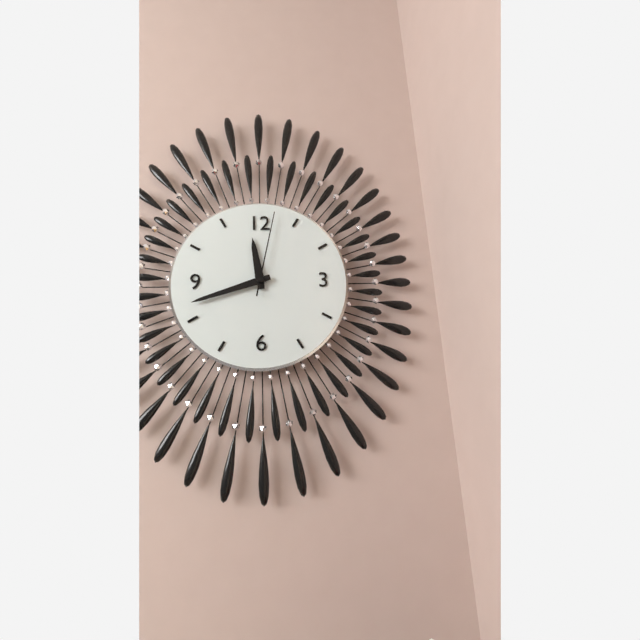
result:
11.42.02
